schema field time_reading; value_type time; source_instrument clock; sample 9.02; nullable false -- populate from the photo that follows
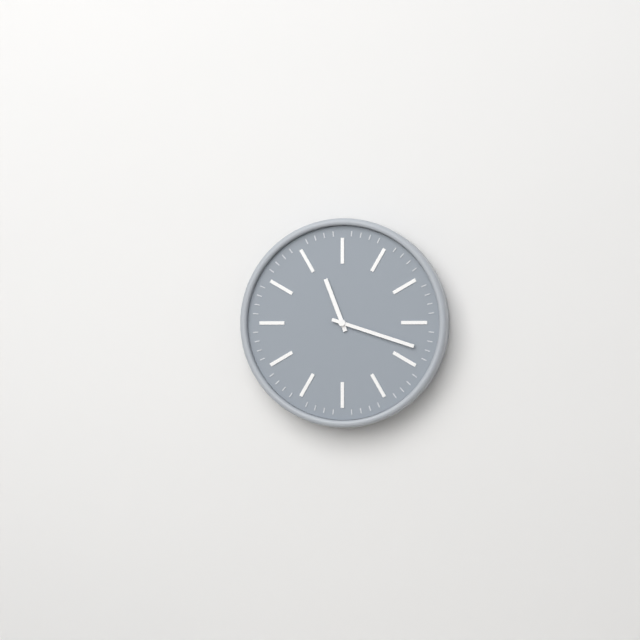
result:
11.18
